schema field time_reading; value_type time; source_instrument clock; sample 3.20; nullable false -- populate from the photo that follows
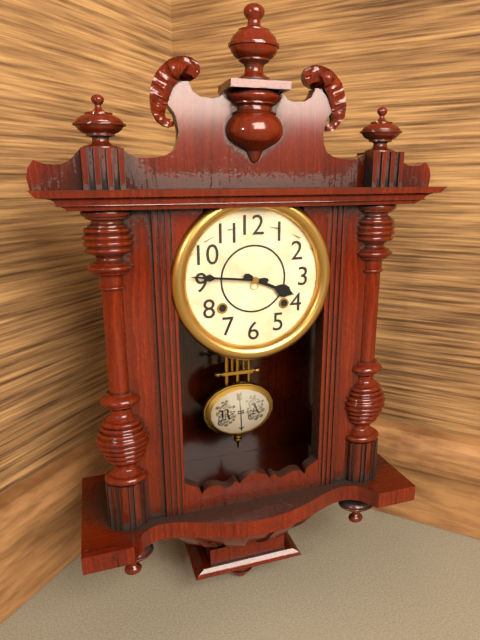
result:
3.46
